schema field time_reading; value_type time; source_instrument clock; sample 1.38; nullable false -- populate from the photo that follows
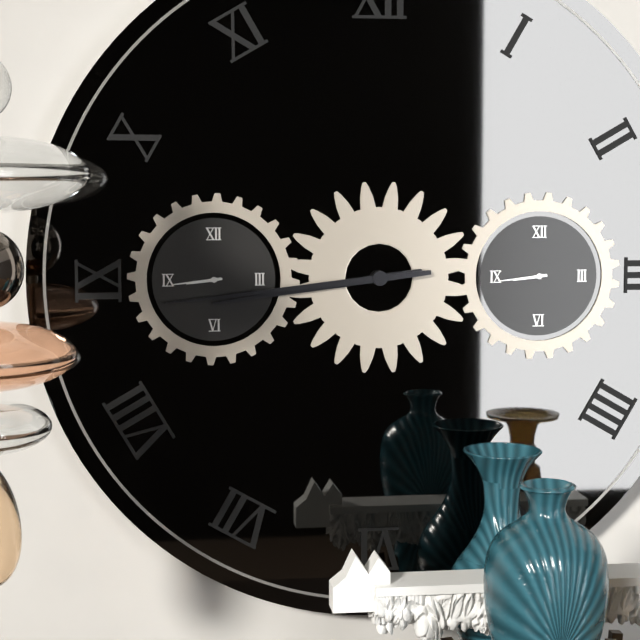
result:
8.44
